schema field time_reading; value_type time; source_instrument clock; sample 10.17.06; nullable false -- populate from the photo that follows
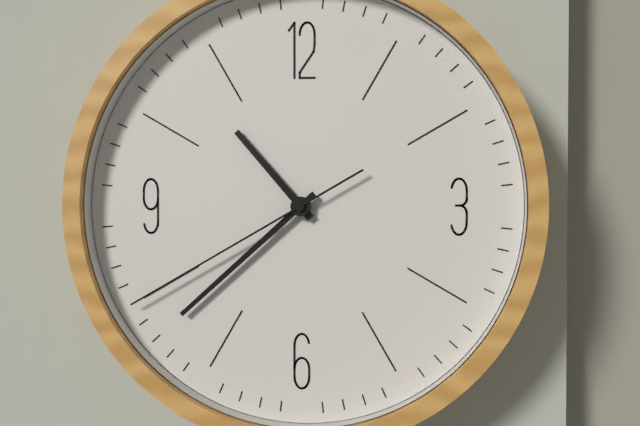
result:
10.38.40
